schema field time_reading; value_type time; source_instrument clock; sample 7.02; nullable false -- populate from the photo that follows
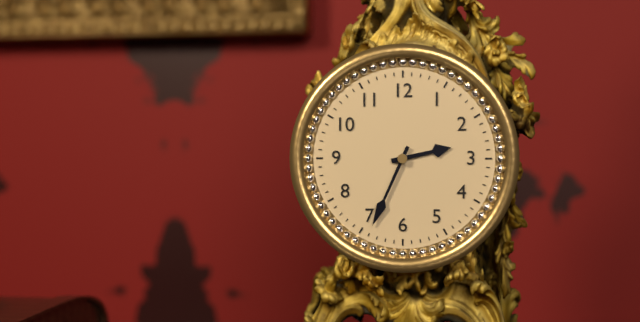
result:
2.34
